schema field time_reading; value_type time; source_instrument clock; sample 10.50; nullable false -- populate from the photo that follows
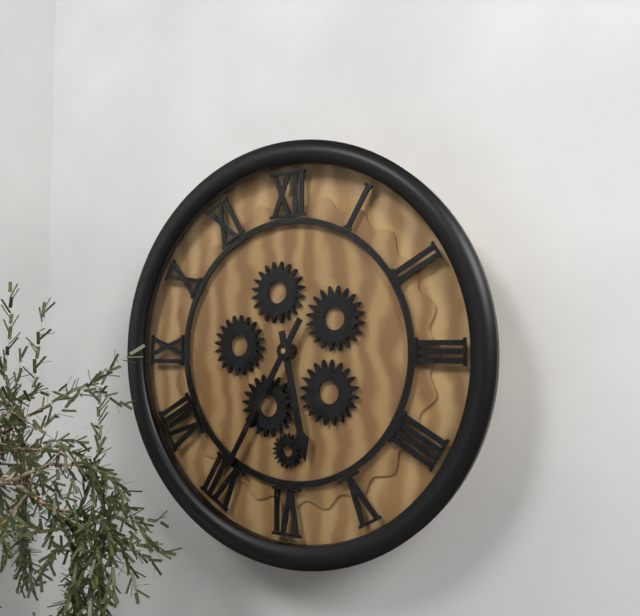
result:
5.35
